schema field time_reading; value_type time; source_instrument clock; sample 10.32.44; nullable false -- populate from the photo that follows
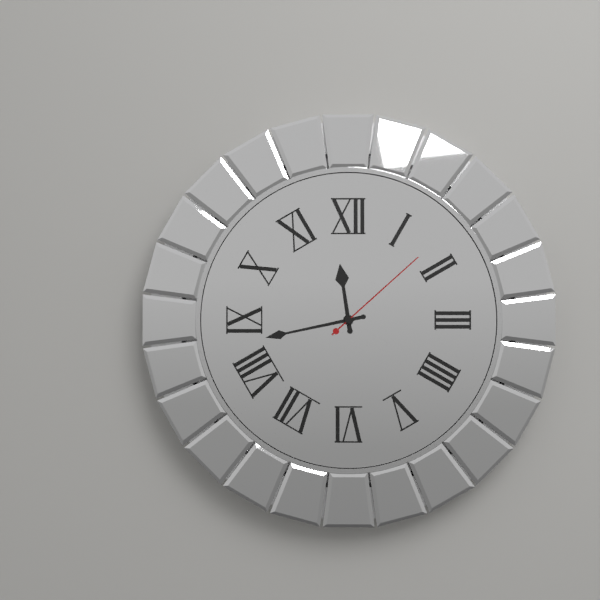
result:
11.43.08
